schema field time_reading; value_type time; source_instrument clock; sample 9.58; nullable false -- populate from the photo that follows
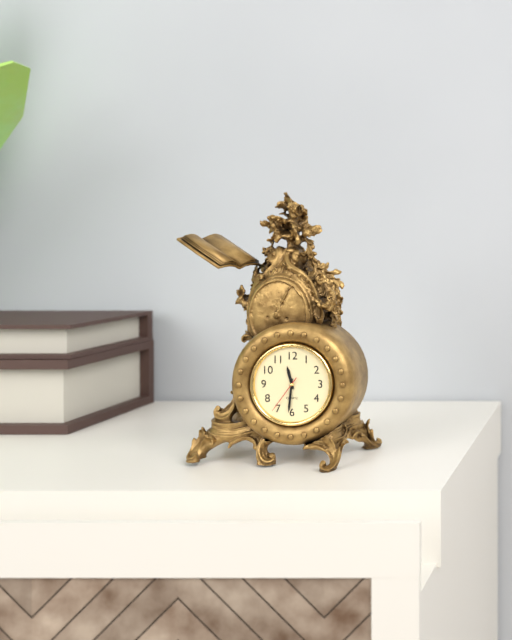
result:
11.31
